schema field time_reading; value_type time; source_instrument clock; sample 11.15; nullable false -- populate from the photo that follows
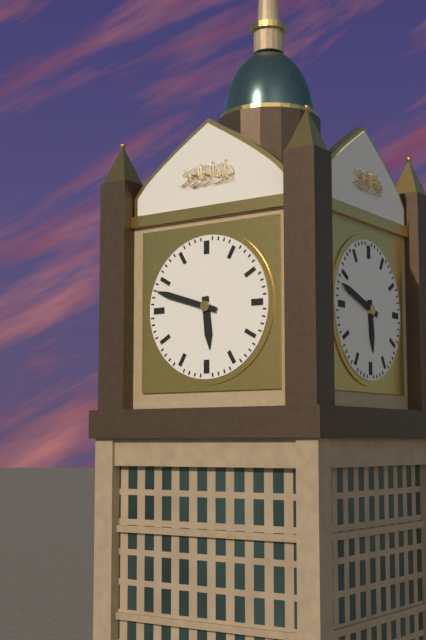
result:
5.48
